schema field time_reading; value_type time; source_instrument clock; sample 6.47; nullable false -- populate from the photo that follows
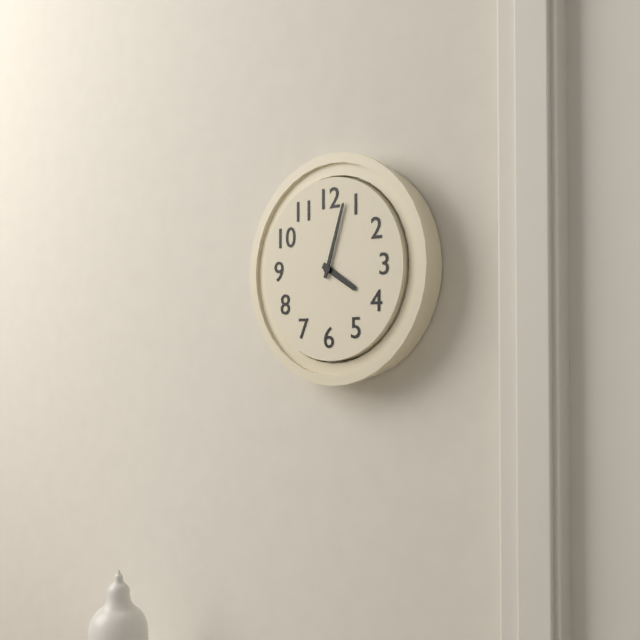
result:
4.03
